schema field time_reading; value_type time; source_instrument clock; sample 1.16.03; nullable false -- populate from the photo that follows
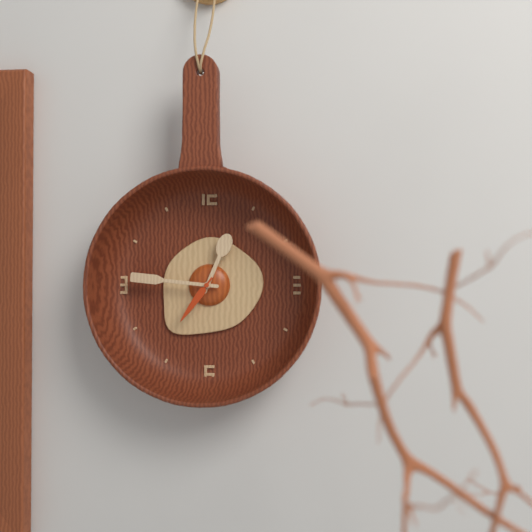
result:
12.46.36
